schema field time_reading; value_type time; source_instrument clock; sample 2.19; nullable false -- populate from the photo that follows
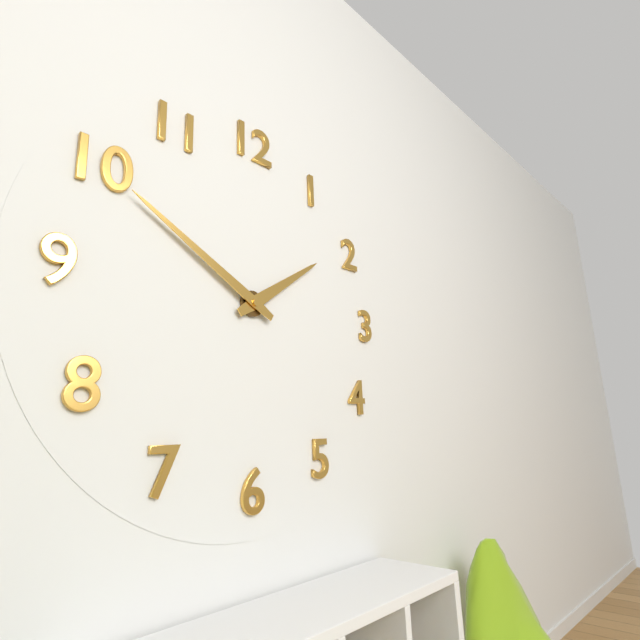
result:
1.50
